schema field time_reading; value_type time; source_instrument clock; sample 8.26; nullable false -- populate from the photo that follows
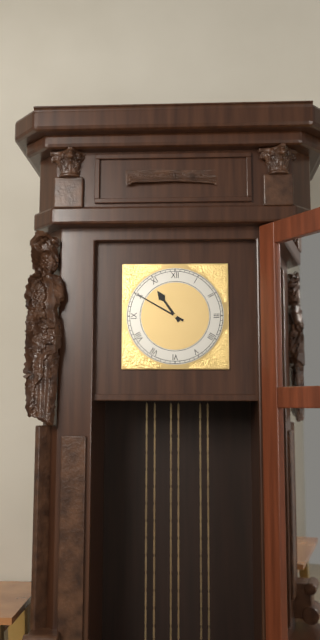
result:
10.50
